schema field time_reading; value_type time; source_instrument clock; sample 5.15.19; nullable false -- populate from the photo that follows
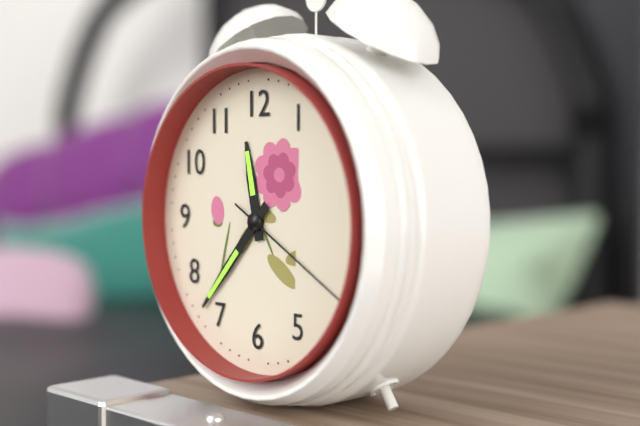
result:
11.37.20
